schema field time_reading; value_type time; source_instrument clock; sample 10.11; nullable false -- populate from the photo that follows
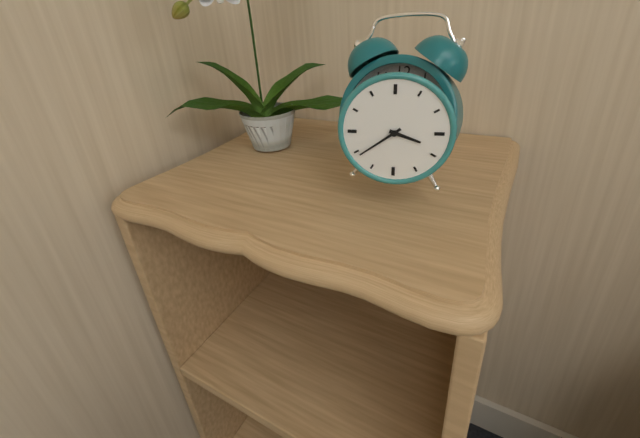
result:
3.39
